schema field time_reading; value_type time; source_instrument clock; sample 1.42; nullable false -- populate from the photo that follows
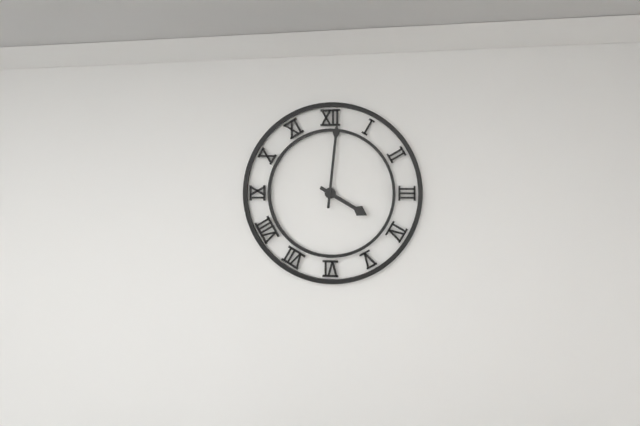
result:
4.01
